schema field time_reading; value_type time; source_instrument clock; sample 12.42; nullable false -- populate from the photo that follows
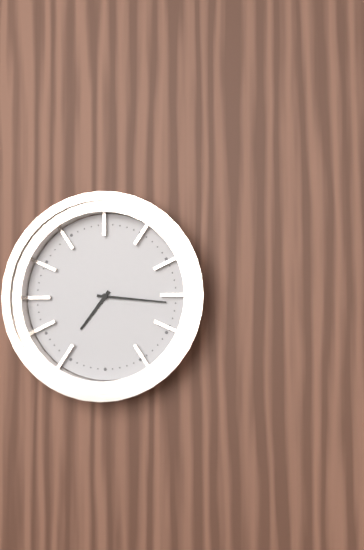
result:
7.16
